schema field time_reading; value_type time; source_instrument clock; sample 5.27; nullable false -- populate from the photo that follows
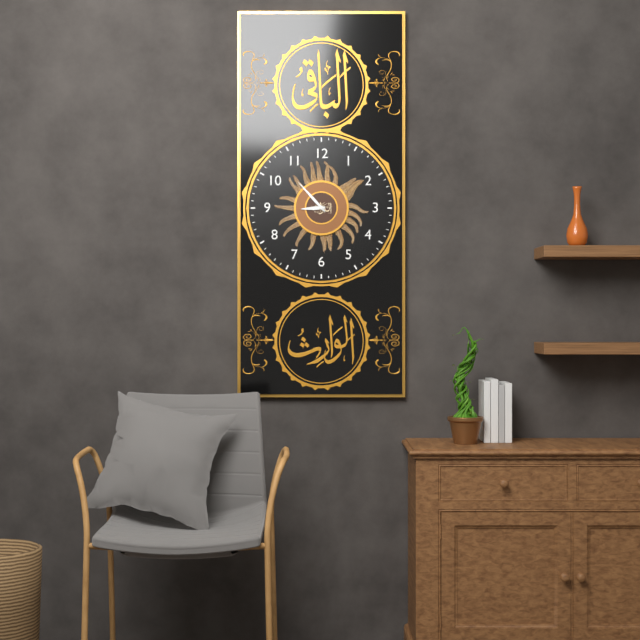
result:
8.53
